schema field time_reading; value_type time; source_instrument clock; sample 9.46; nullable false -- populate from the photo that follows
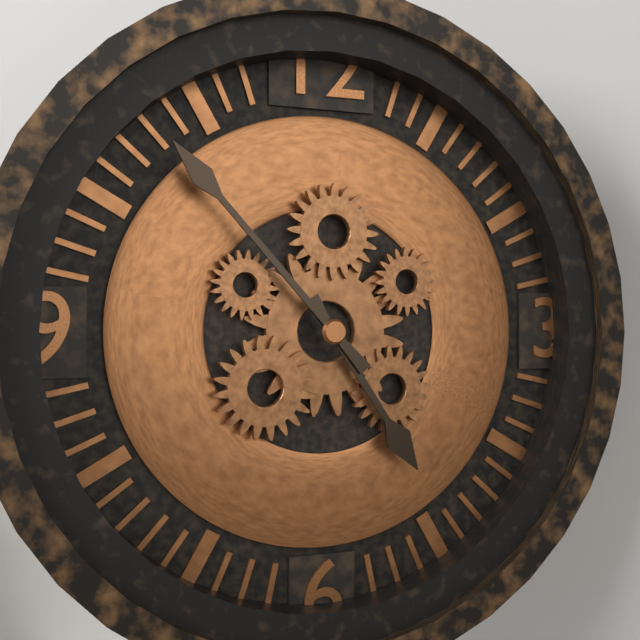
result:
4.53
